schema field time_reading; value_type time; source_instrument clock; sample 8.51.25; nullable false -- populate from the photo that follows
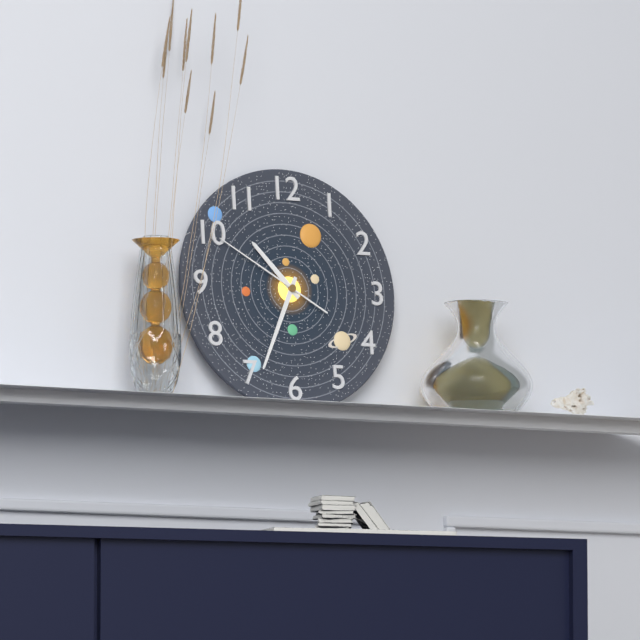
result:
10.34.50
